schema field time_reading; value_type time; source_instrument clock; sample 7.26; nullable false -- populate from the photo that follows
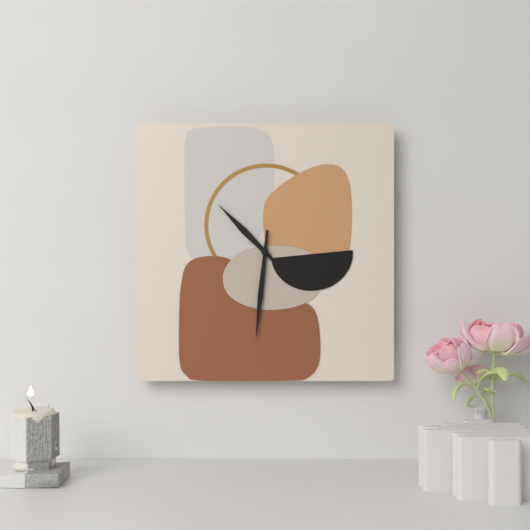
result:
10.31
